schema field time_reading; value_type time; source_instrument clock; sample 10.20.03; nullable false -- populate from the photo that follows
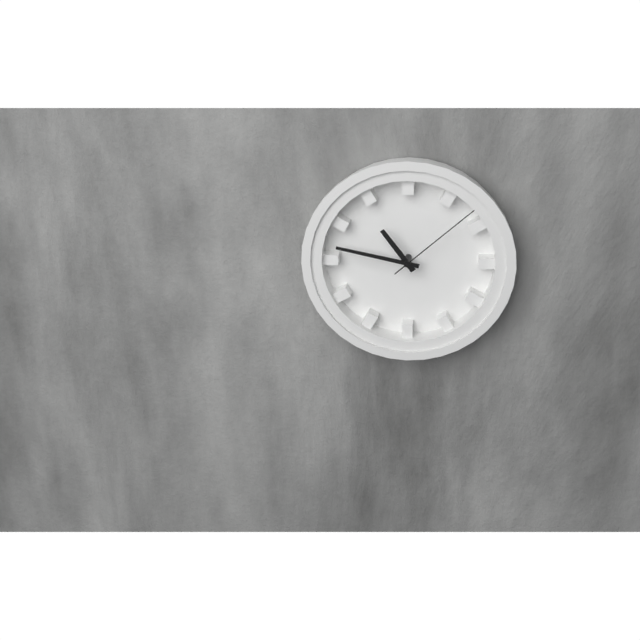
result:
10.47.08
